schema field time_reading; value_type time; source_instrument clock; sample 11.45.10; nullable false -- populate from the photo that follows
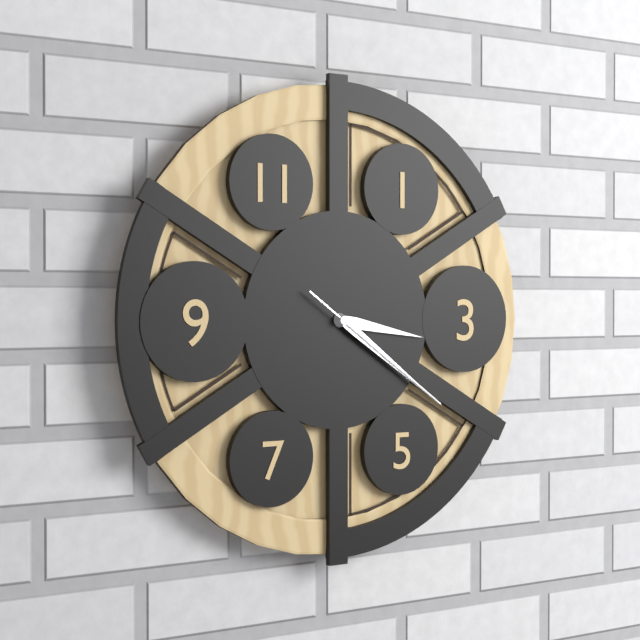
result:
3.21.21
